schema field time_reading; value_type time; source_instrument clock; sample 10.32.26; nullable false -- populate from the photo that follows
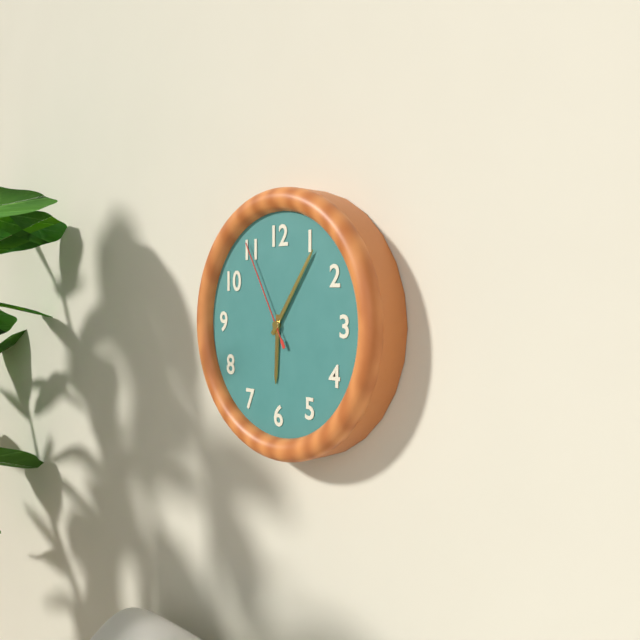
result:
6.06.55
